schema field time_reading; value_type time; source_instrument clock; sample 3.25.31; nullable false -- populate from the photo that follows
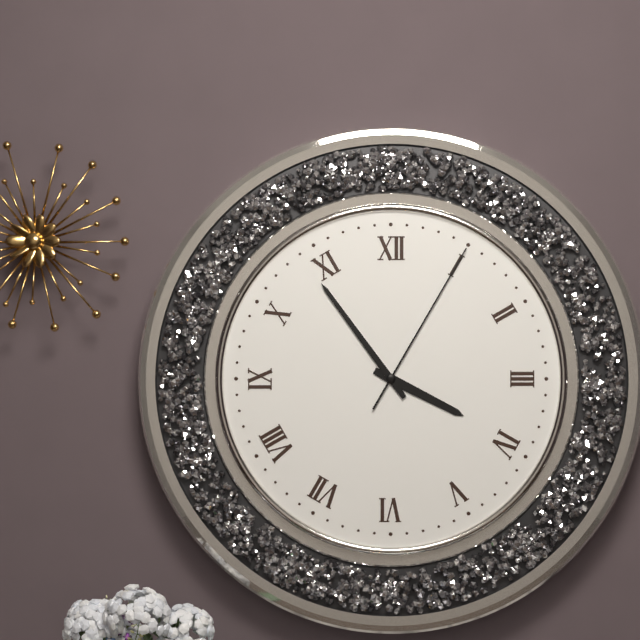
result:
3.54.05
